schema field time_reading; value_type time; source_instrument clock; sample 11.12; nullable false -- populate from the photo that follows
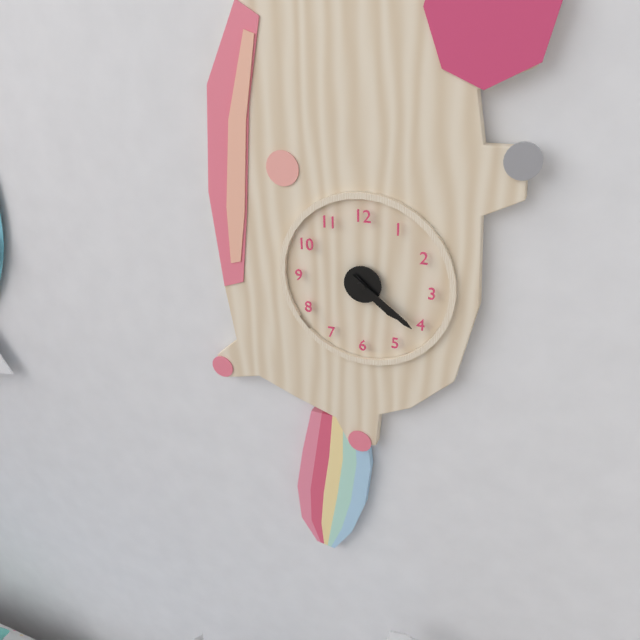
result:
4.21
